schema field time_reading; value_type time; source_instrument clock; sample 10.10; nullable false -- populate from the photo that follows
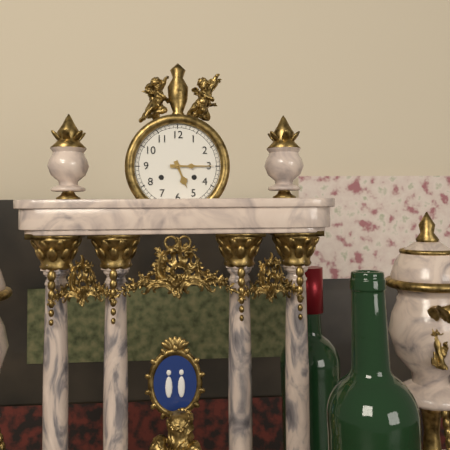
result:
5.15
